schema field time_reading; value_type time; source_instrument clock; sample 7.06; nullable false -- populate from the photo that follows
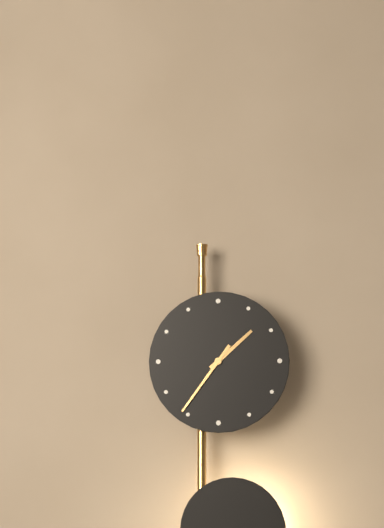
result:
1.36
